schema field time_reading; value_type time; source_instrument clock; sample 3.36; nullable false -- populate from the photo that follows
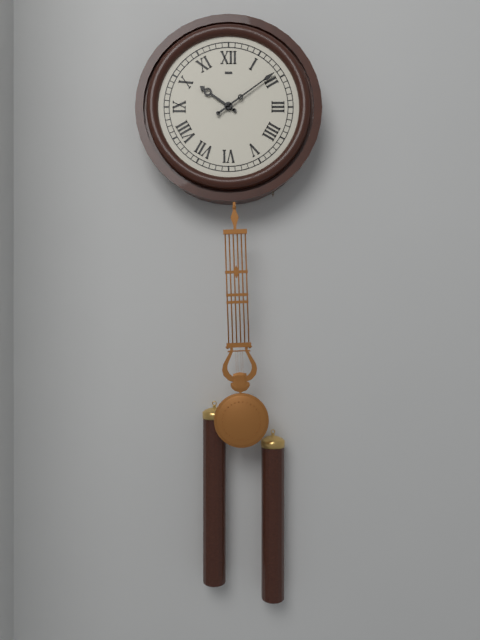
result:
10.09
